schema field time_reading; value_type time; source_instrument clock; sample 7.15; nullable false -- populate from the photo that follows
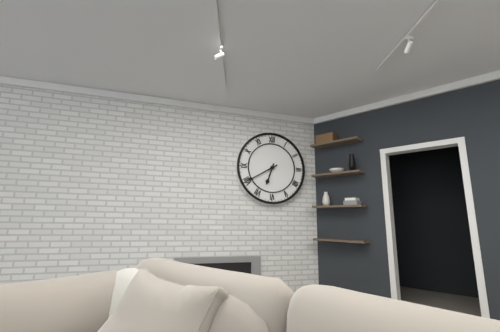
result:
6.40
